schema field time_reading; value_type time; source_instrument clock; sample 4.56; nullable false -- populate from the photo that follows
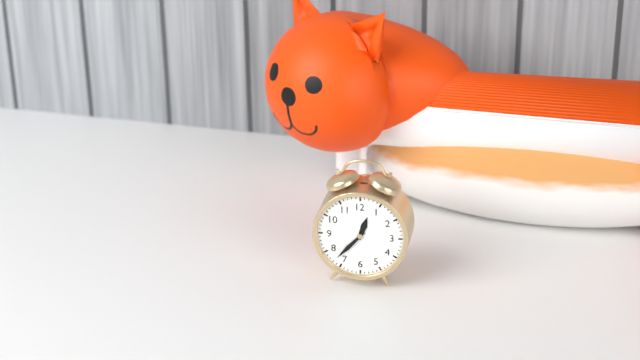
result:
12.37
